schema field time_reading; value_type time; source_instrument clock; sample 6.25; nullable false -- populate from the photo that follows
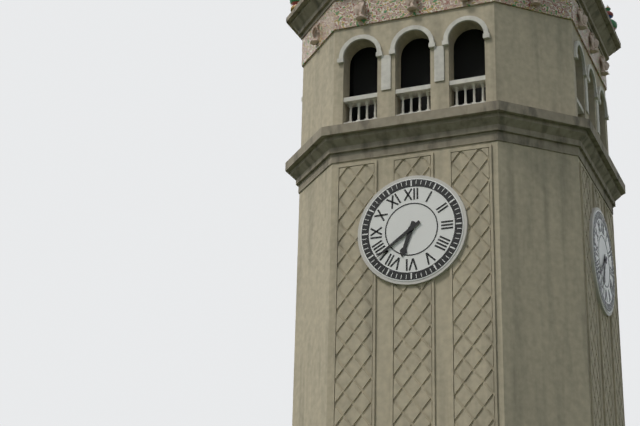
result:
6.39
